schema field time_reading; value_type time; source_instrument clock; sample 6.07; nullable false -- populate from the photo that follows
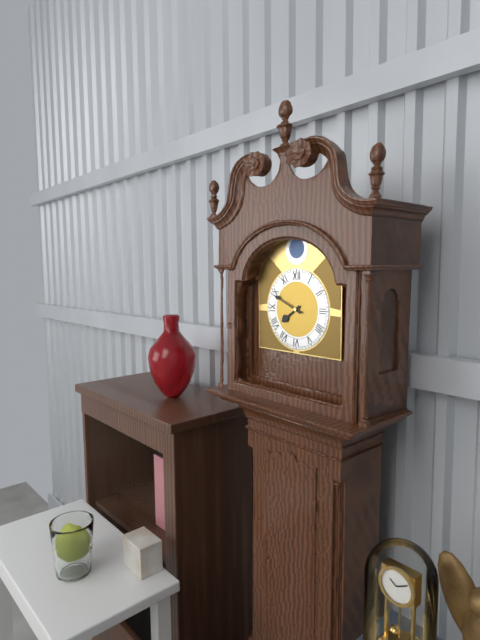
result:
7.49
